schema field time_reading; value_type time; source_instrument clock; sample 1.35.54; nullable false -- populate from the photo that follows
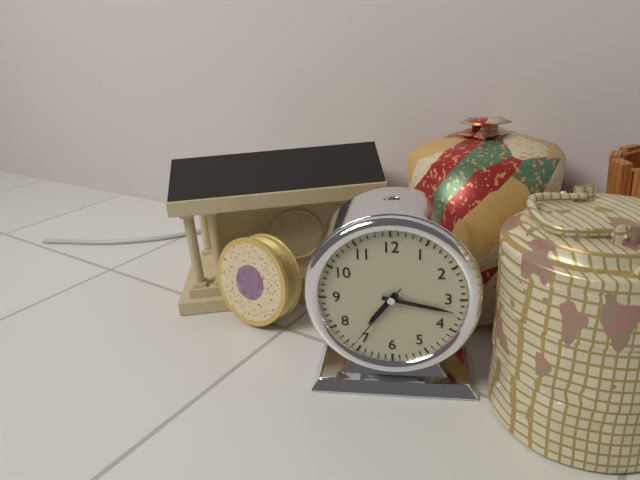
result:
7.17.36
